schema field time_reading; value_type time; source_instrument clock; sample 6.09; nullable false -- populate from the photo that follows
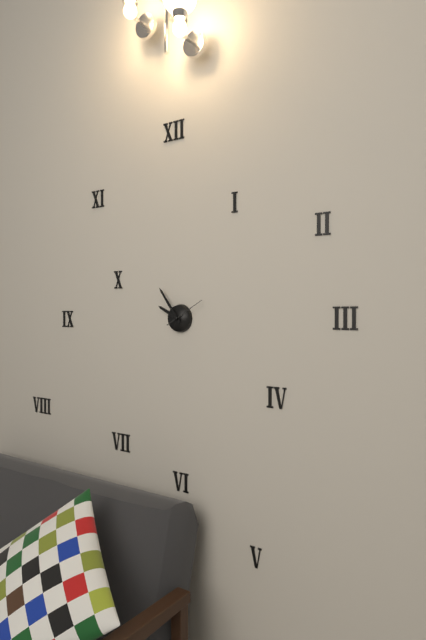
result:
9.54
